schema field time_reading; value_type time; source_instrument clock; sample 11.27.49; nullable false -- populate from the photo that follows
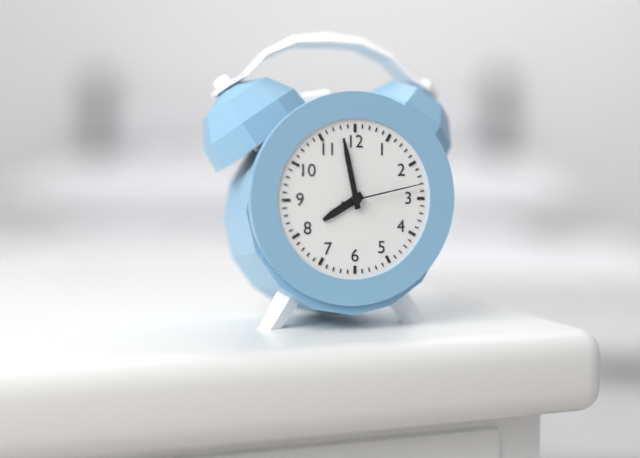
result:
7.58.13
